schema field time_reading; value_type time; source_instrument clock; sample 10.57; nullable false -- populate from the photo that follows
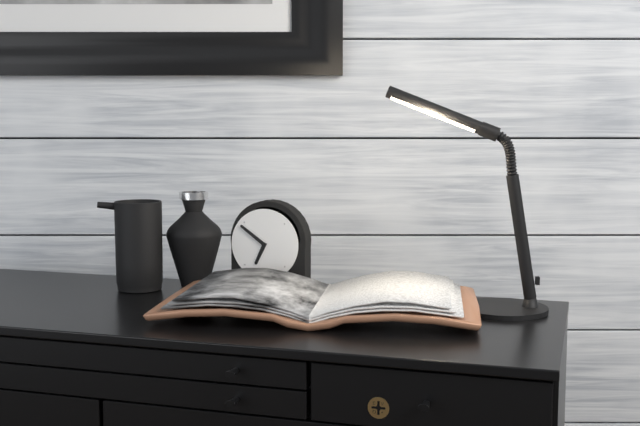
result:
6.51
